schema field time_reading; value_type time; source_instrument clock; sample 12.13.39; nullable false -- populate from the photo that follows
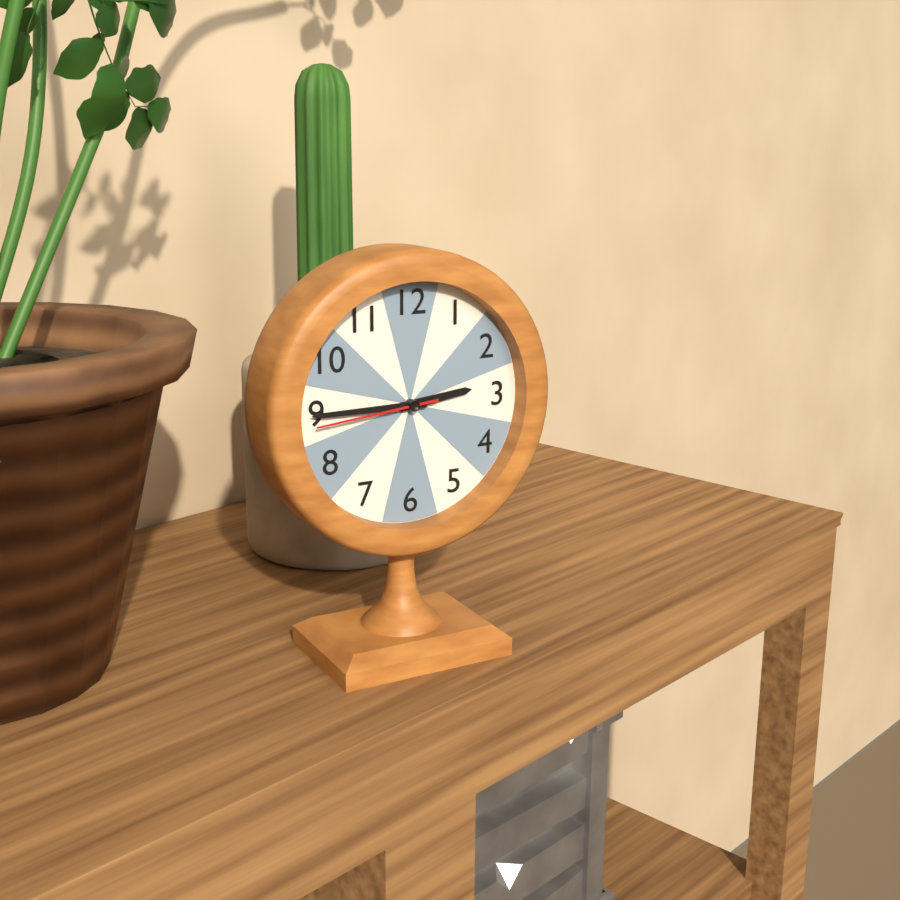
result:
2.45.44
